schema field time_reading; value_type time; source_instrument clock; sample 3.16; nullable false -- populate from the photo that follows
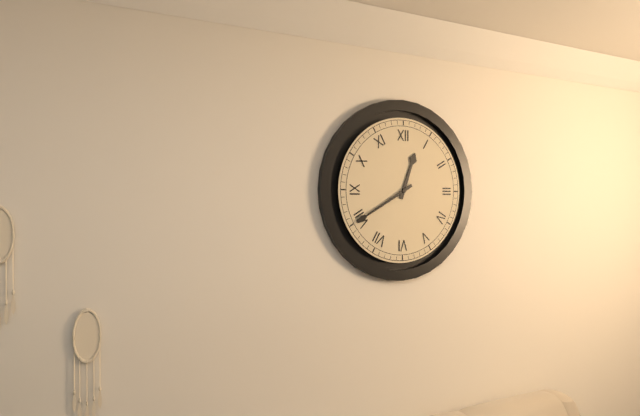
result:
12.40
